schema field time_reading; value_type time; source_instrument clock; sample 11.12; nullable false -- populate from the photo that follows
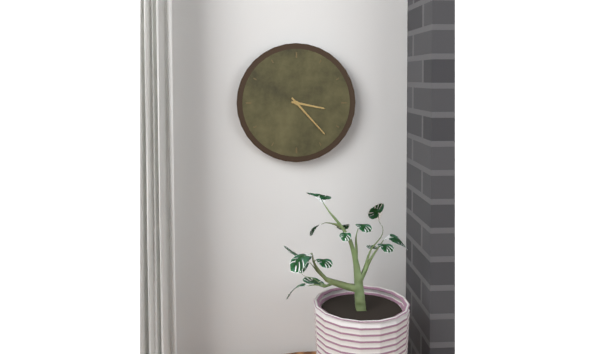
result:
3.23
